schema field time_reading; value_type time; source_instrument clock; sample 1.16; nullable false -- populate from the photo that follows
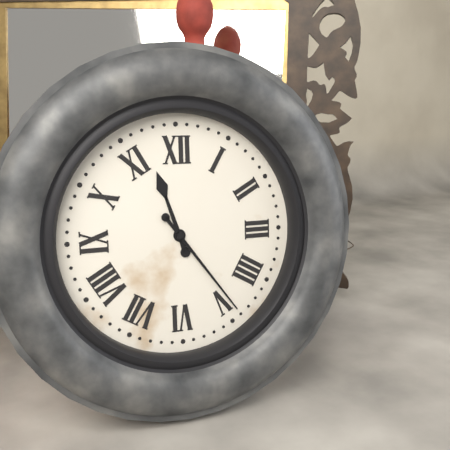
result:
11.24
